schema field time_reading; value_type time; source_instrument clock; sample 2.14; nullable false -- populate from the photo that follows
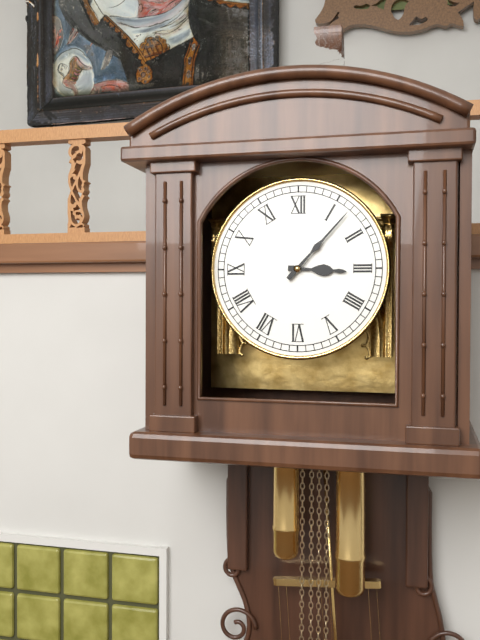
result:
3.07
